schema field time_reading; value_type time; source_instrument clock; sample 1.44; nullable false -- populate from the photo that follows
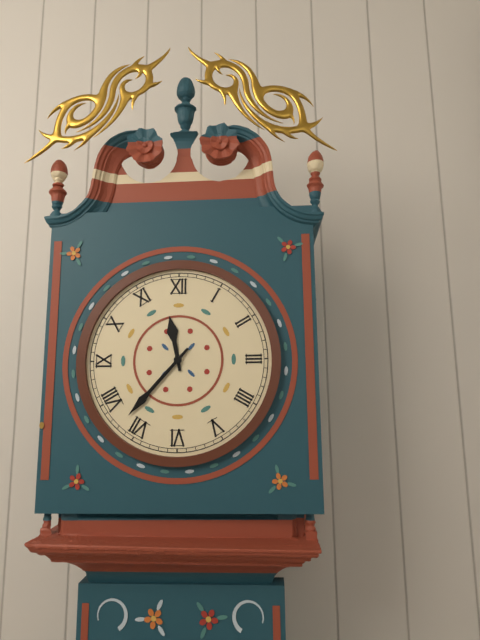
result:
11.37
